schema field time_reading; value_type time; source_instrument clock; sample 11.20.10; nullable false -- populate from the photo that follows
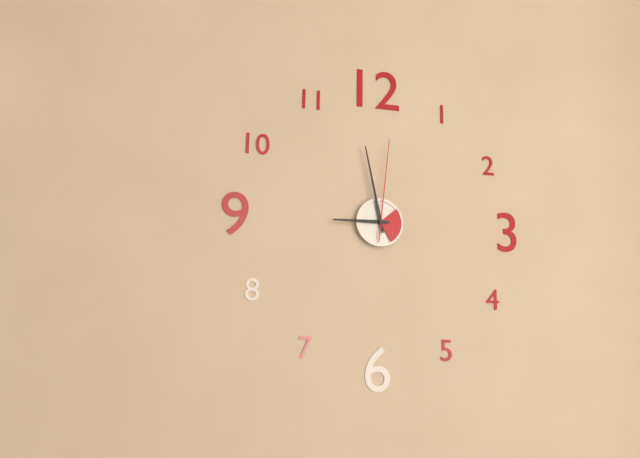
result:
8.58.01
